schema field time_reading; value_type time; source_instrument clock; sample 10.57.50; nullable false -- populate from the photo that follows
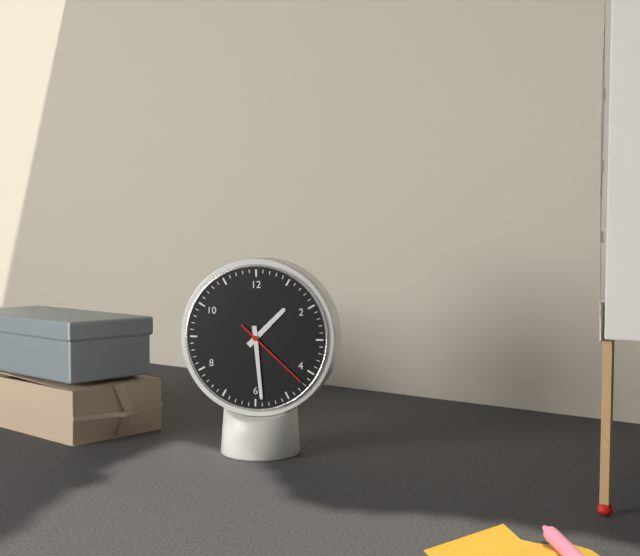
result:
1.29.22
